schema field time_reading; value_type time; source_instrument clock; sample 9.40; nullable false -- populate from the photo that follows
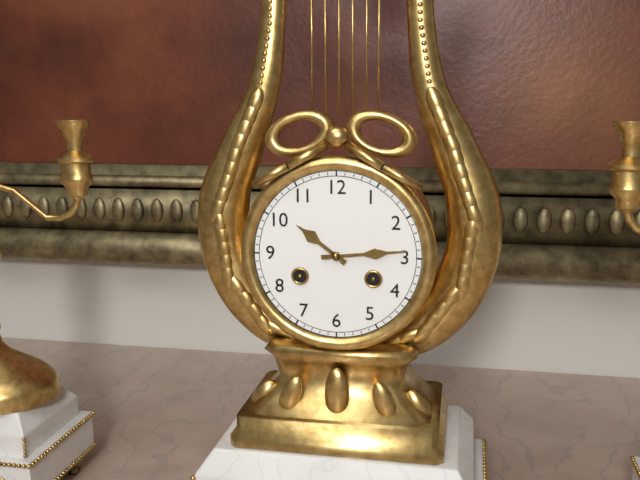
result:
10.14
